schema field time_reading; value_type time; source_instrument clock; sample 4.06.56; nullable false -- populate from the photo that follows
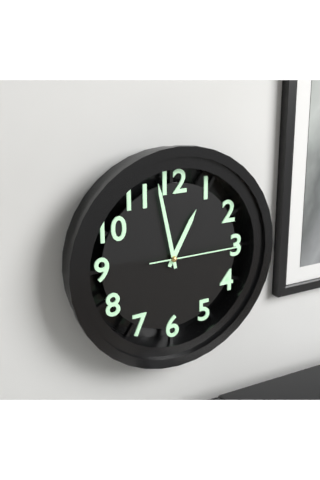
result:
12.58.15
